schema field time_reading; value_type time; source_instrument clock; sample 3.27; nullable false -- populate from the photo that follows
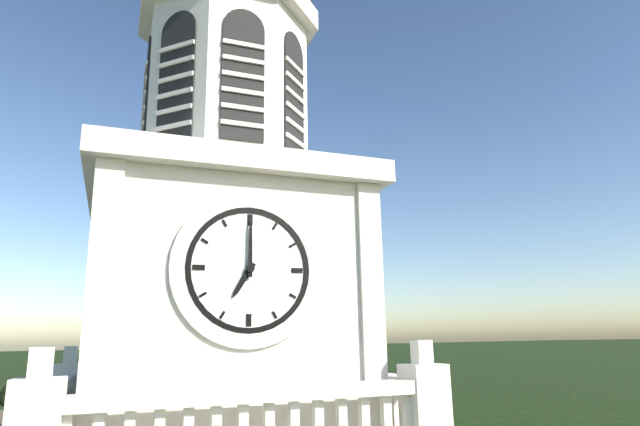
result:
7.00
